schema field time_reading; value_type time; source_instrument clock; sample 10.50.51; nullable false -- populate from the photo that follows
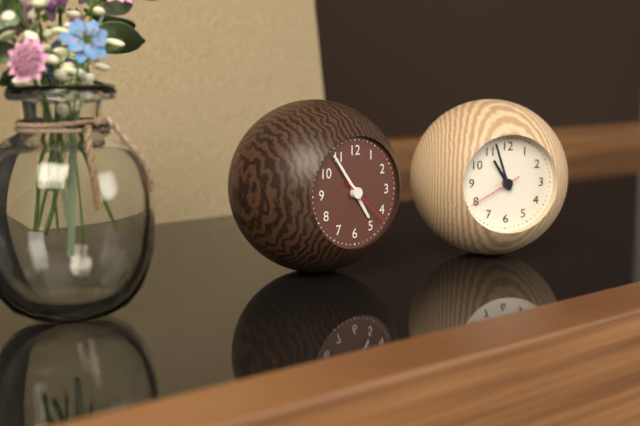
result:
4.54.22
